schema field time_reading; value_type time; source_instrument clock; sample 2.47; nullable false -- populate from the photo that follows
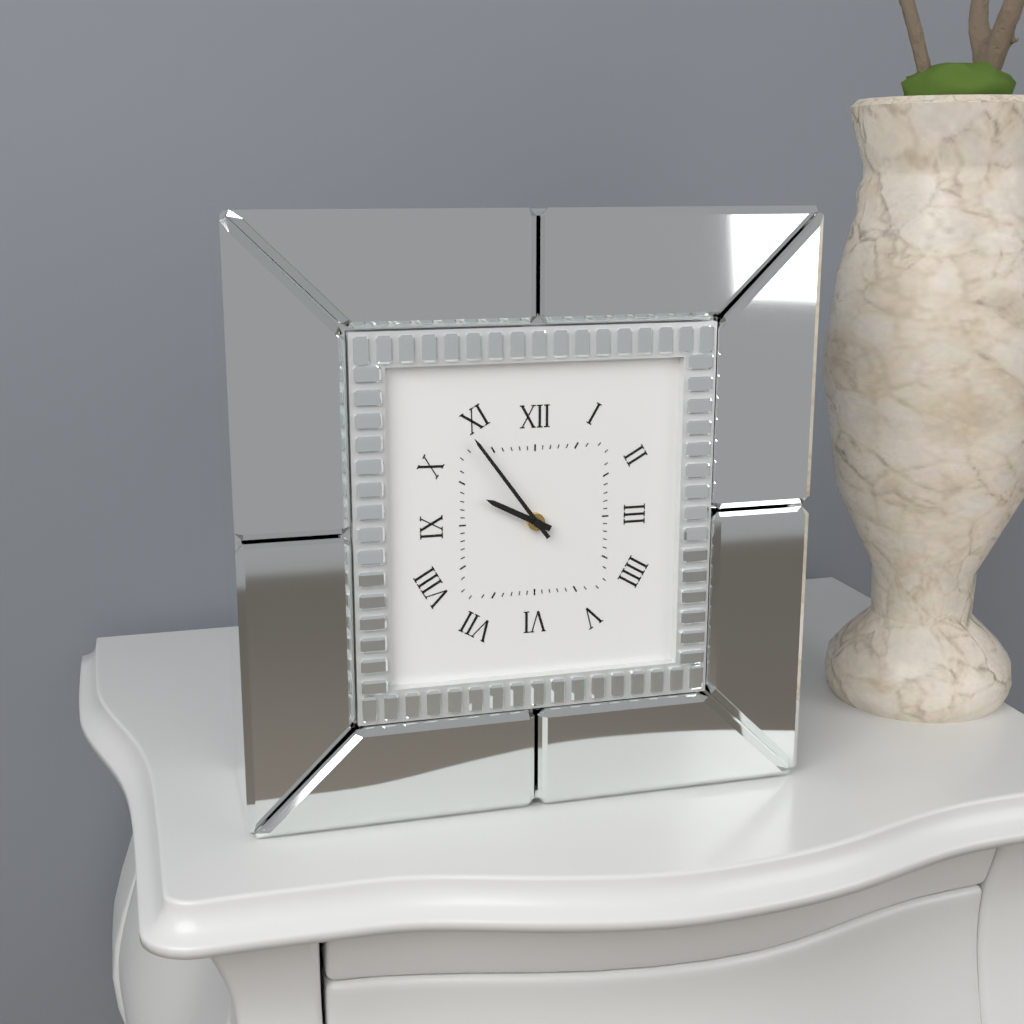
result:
9.54
